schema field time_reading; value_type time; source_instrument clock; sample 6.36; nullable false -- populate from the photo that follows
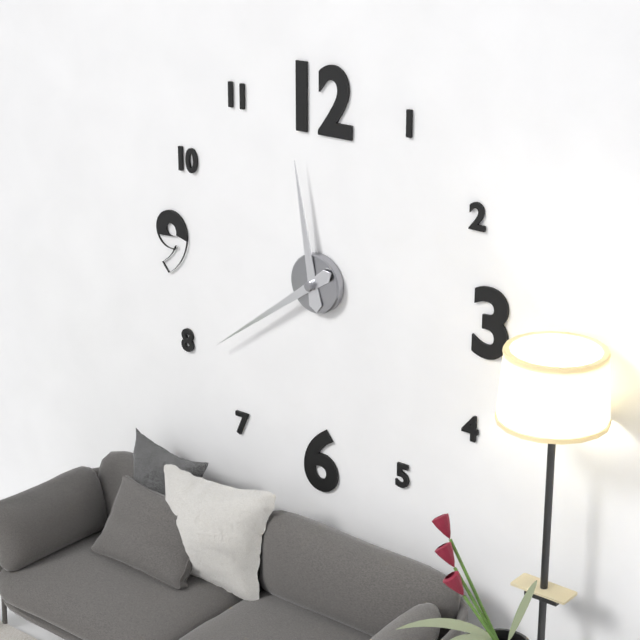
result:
11.39
